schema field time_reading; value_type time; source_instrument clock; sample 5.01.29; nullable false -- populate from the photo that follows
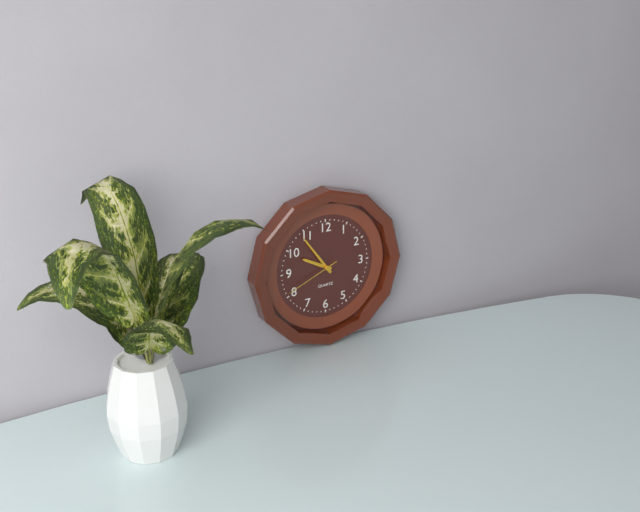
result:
9.54.41
